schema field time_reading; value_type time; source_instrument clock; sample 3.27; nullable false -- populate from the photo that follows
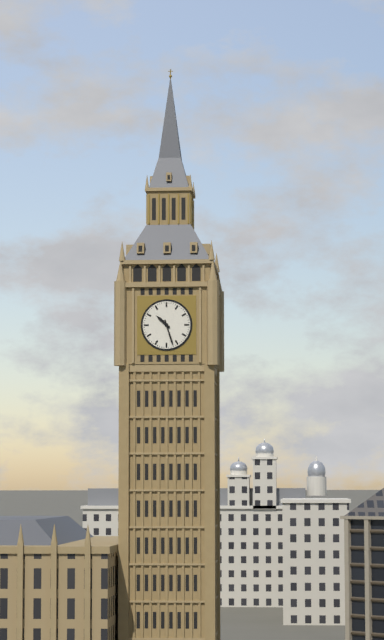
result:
10.27
